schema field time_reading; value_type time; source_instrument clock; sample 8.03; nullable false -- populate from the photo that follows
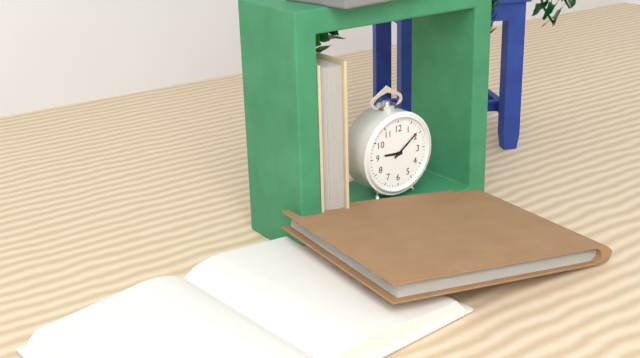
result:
9.09
